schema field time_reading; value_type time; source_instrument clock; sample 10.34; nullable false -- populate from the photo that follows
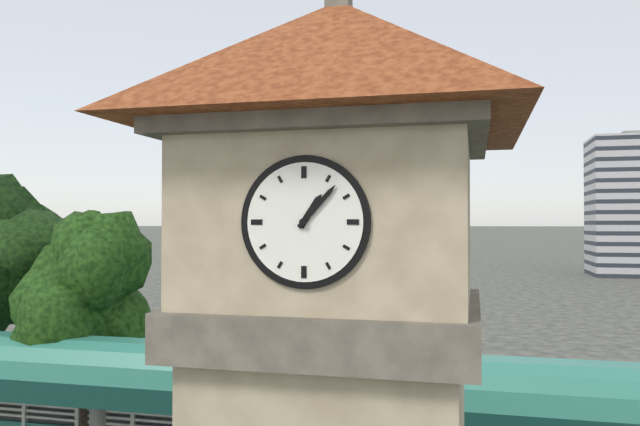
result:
1.07
